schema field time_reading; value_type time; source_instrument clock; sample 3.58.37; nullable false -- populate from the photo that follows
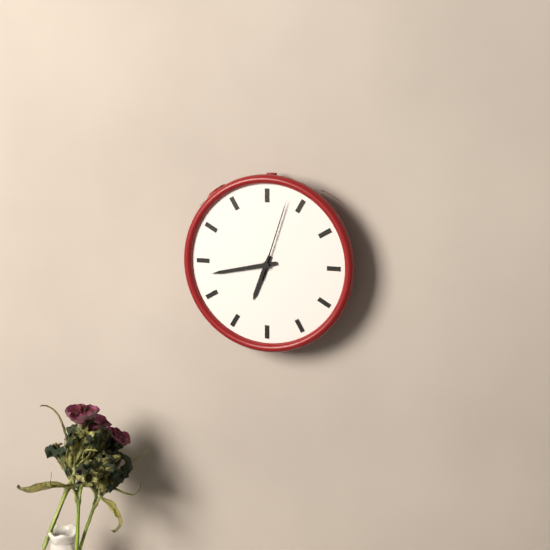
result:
6.43.03
